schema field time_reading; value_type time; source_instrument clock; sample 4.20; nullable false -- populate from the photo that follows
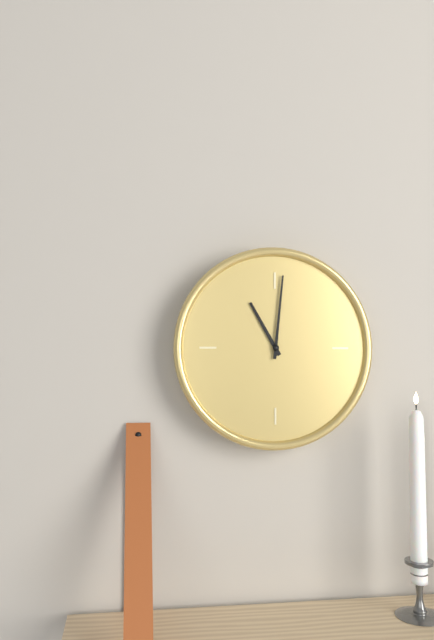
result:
11.01
